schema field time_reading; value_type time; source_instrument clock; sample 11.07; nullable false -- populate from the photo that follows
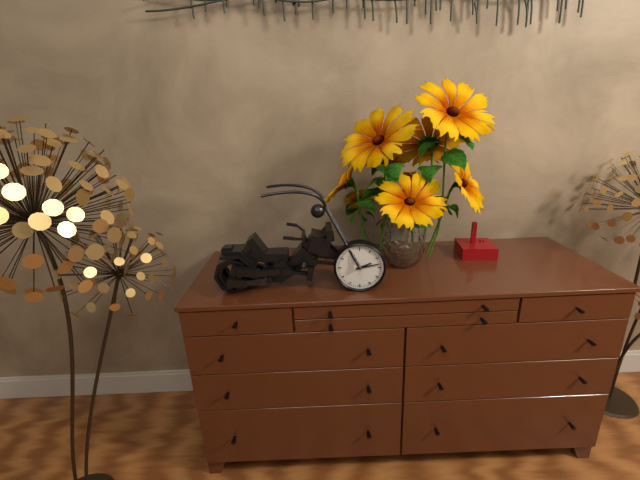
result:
2.13
